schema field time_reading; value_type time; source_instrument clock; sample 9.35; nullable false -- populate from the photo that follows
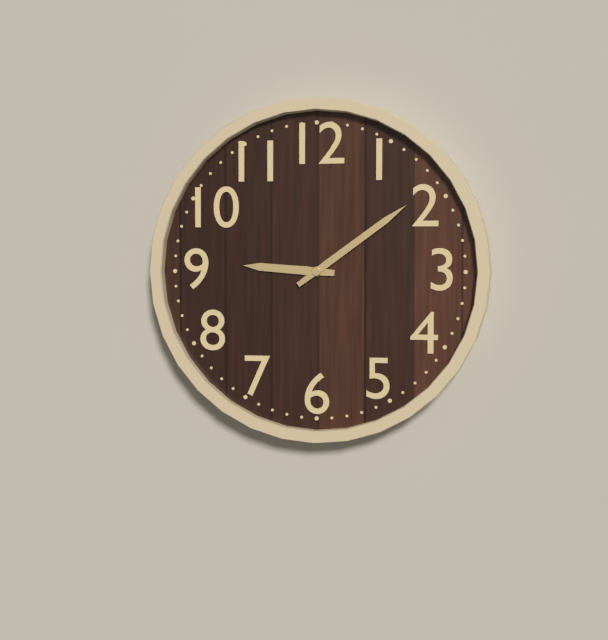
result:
9.09
